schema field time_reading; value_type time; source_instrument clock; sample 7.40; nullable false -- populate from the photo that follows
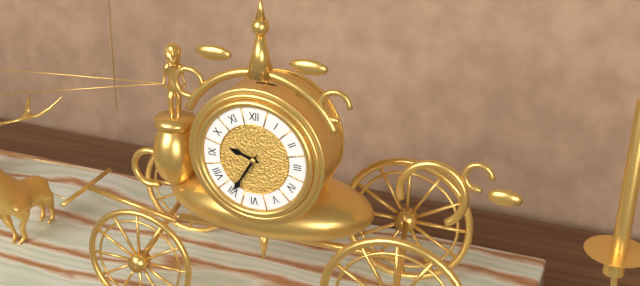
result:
9.35
